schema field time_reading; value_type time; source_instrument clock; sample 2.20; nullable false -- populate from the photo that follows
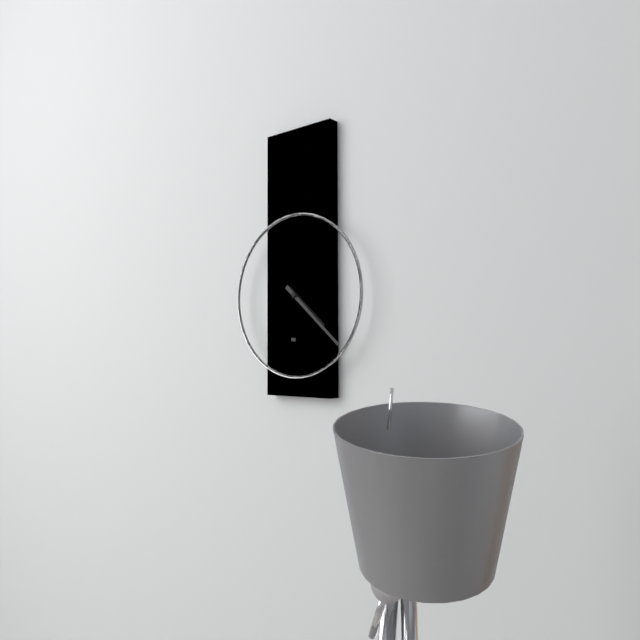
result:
4.22
